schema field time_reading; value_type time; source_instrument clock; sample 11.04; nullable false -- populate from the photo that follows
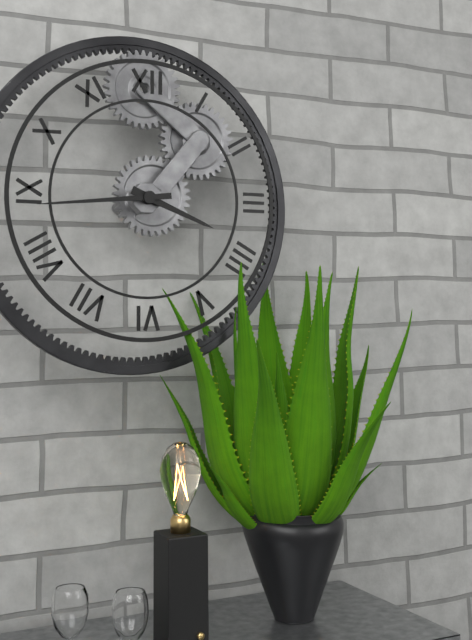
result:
3.44
